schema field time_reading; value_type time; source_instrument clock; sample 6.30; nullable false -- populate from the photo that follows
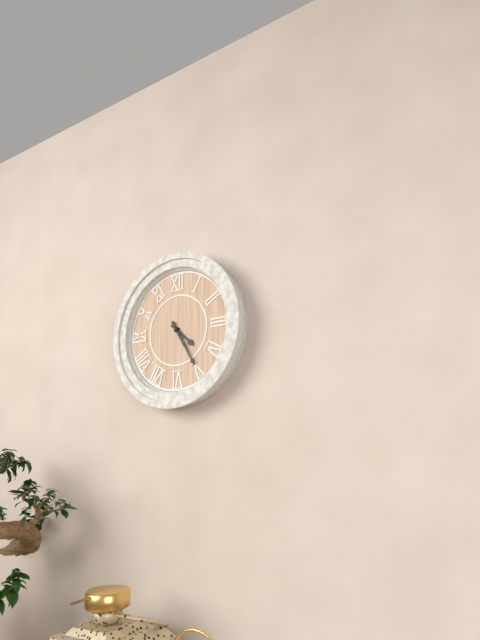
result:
4.25
